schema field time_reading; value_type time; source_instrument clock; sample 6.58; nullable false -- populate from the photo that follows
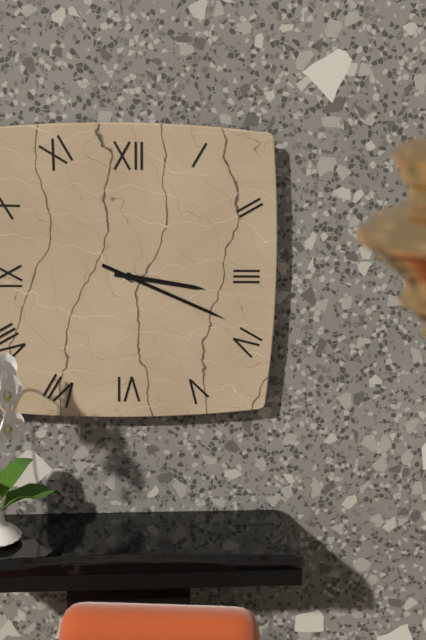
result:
3.19
